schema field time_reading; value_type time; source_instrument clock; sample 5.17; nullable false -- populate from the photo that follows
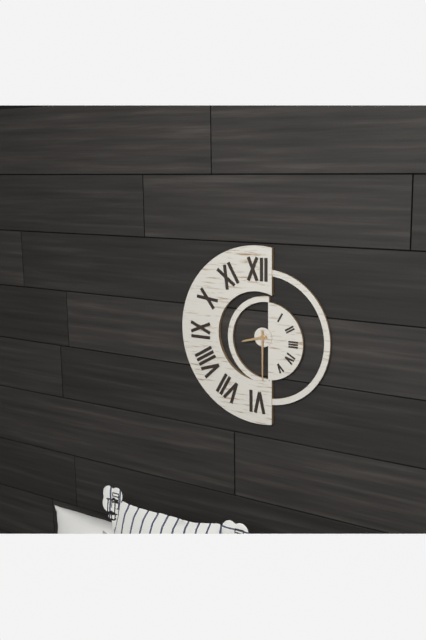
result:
8.30
